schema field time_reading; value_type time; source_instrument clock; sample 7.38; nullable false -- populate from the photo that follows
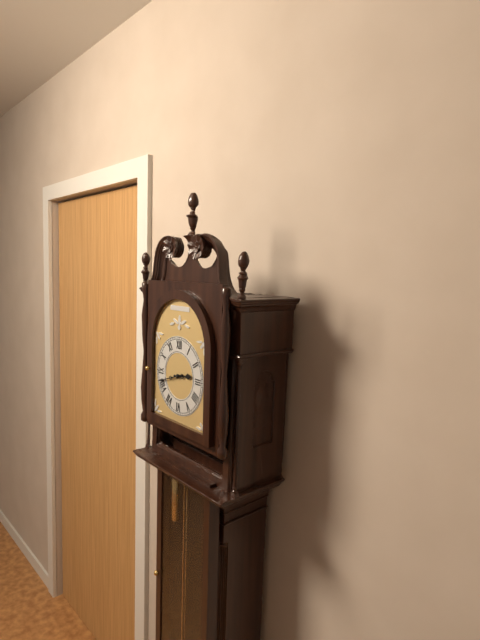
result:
2.42
